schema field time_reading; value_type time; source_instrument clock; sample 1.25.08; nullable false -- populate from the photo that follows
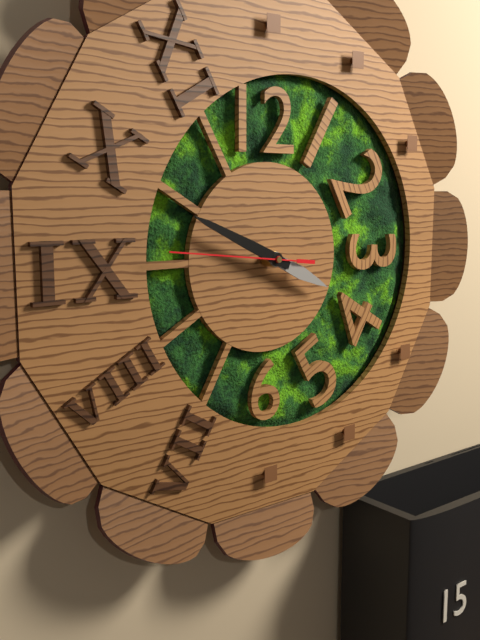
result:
3.49.46
